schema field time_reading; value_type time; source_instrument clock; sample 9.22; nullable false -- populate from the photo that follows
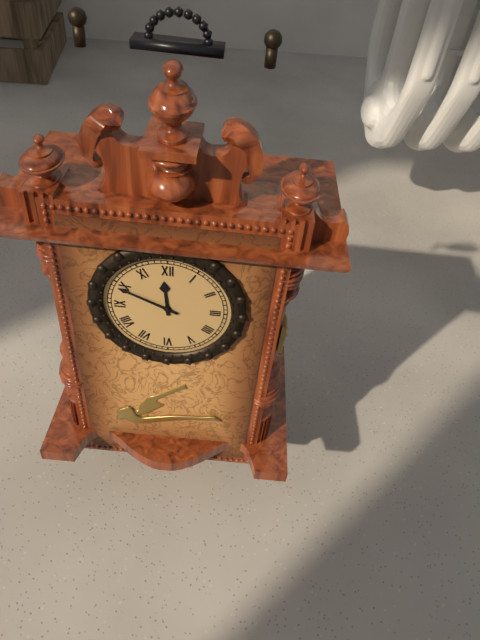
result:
11.49
